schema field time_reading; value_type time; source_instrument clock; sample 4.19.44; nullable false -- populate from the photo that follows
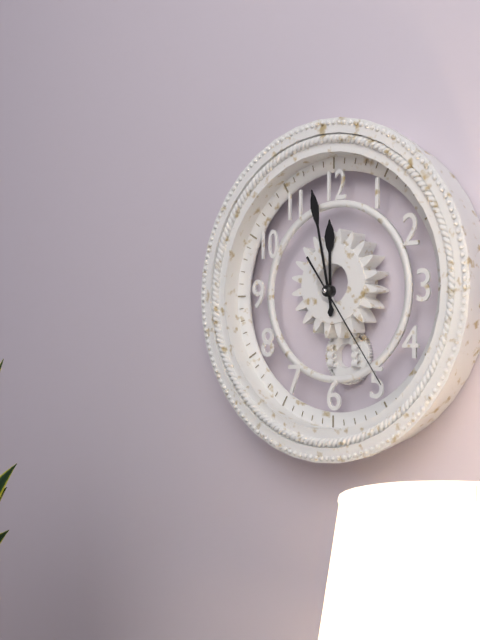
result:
11.58.24
